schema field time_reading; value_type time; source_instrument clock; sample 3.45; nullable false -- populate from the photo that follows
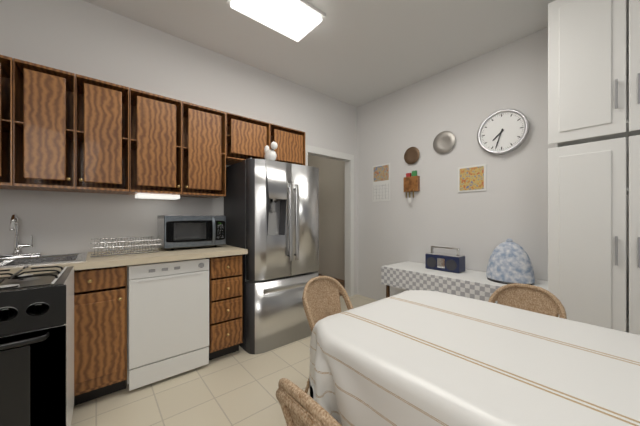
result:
7.33
